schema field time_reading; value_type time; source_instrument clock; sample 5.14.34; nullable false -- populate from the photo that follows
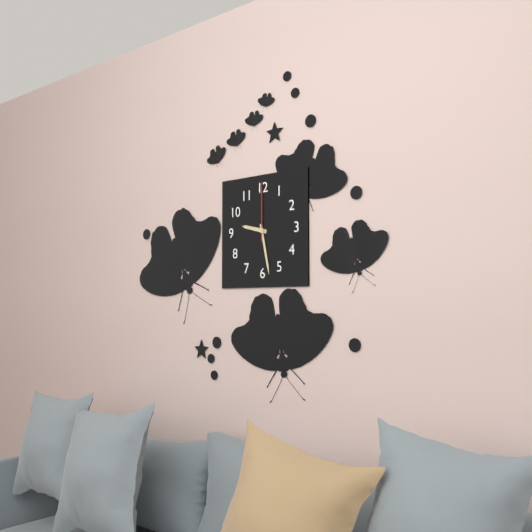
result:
9.28.00
